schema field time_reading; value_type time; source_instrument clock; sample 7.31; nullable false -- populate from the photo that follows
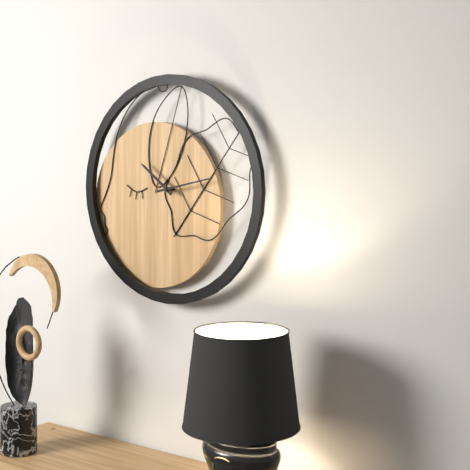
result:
10.13
